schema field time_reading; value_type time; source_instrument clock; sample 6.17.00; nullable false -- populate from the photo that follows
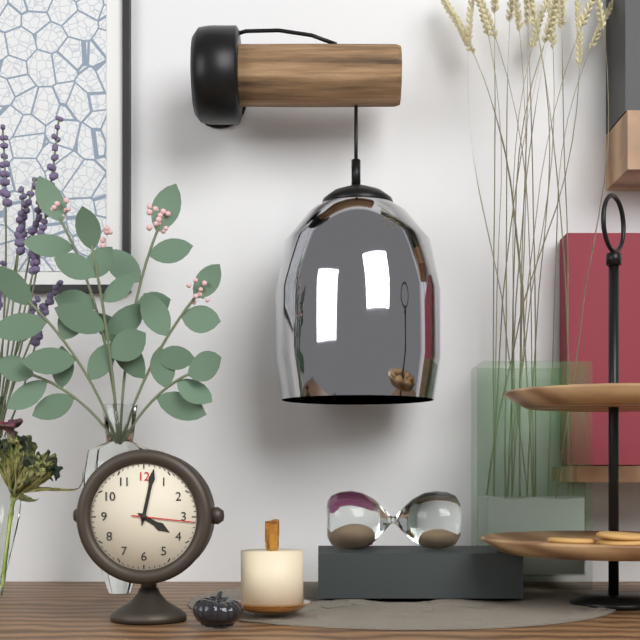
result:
4.02.16
